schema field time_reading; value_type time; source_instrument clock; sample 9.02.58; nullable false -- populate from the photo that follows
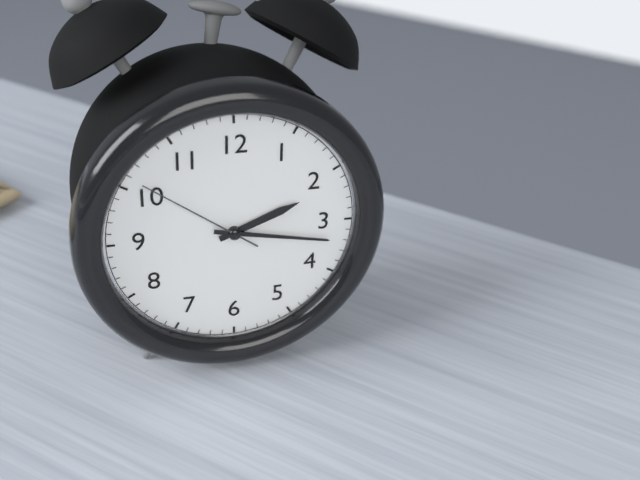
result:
2.17.51
